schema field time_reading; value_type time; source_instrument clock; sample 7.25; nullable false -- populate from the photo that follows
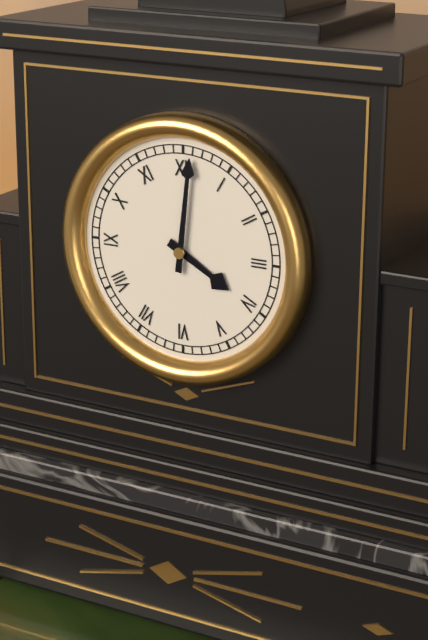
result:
4.01
